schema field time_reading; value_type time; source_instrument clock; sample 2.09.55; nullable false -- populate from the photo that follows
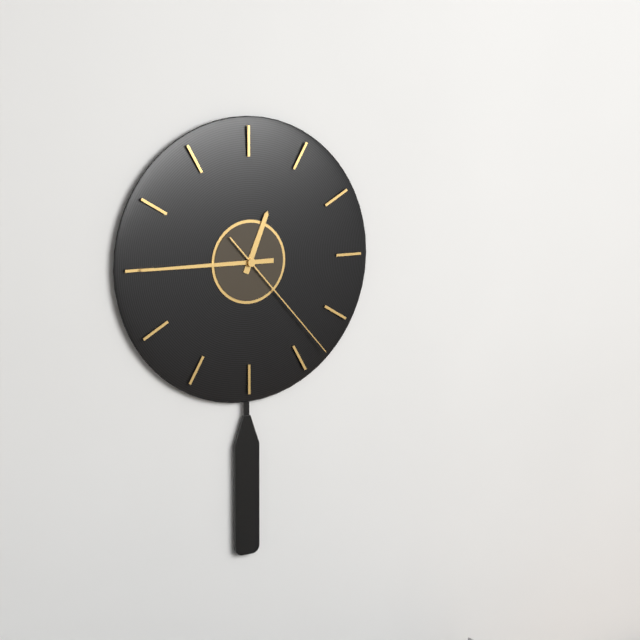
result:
12.45.23
